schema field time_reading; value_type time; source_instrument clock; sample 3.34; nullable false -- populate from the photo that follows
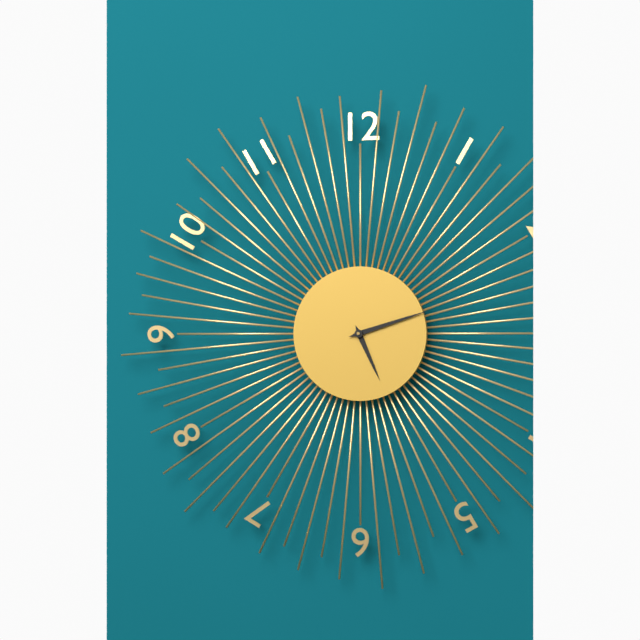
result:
5.12
